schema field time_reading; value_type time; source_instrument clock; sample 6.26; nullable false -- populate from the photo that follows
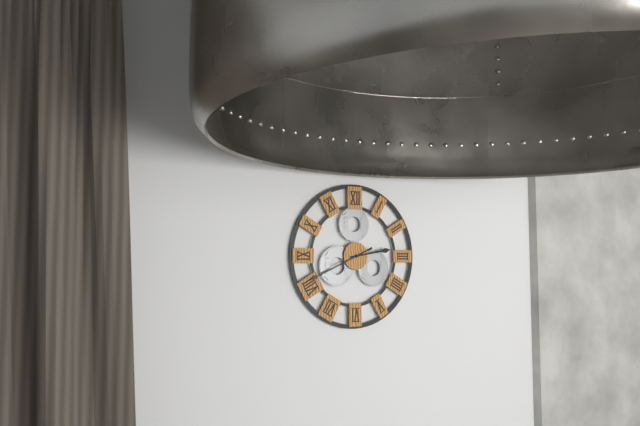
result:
2.41
